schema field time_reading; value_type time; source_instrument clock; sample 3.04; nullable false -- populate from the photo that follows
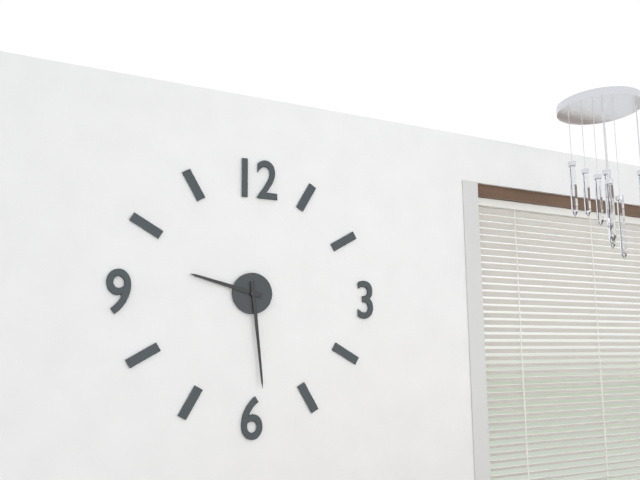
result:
9.29
